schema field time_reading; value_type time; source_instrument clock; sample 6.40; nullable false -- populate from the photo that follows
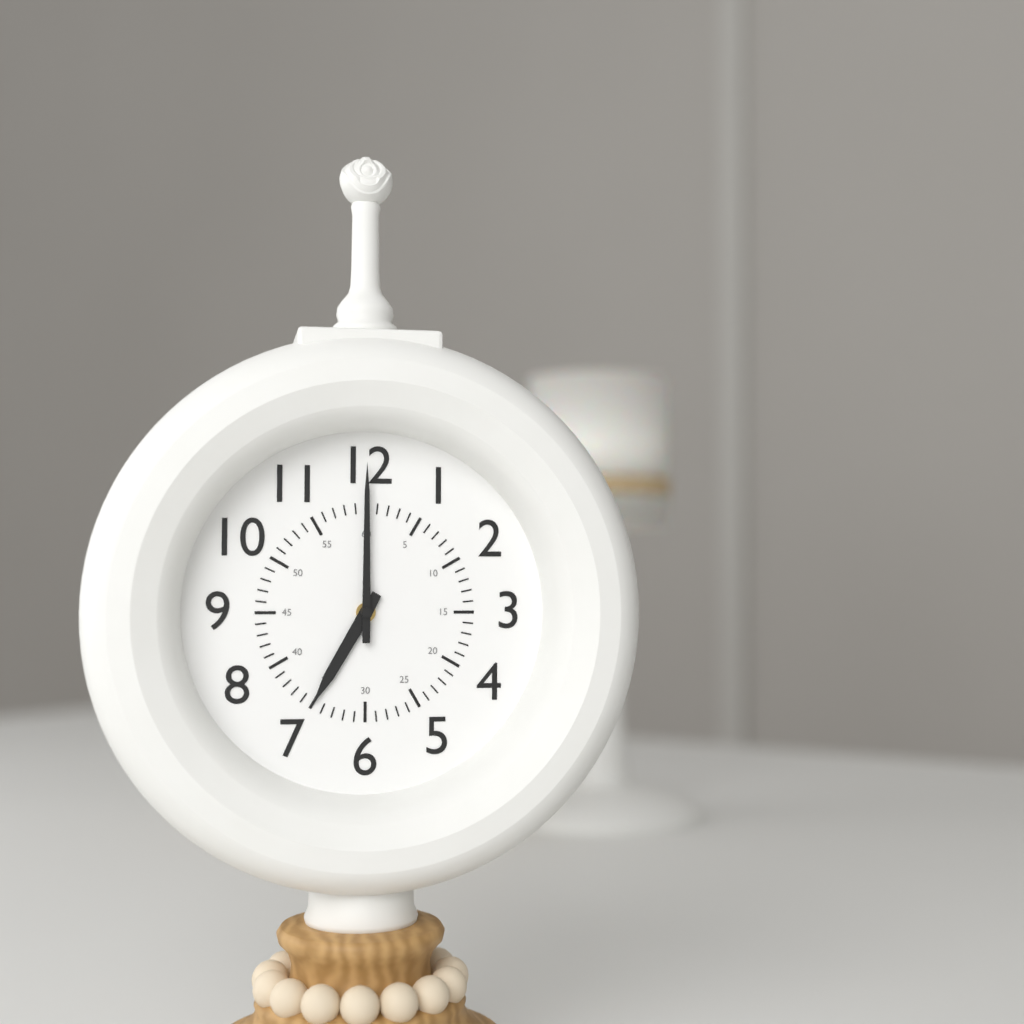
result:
7.00
